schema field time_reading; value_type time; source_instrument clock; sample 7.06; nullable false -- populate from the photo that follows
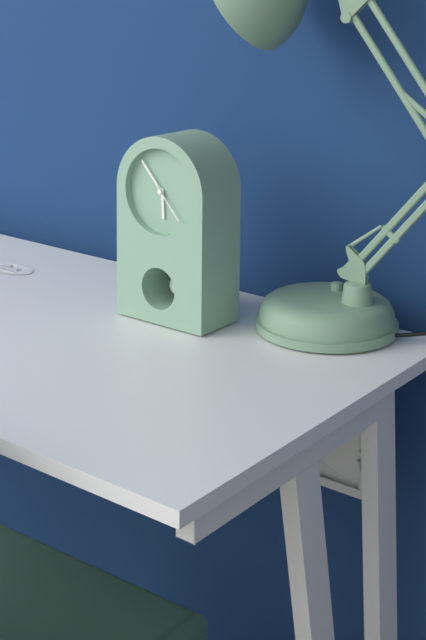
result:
5.53
